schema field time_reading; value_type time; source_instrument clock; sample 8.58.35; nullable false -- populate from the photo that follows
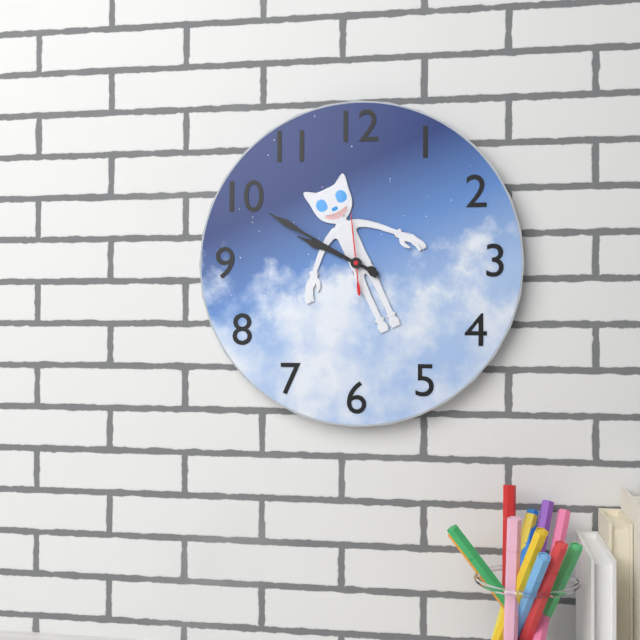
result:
9.50.59
